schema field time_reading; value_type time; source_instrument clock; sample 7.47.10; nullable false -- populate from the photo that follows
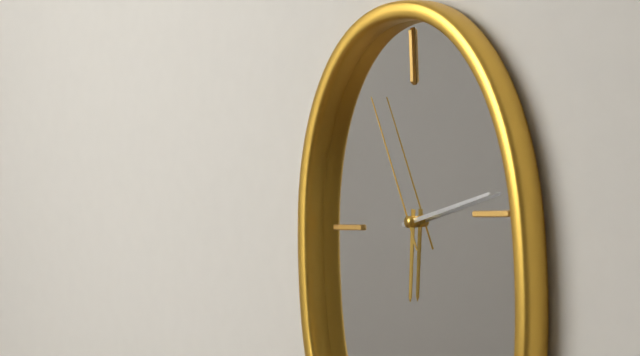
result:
6.13.56
